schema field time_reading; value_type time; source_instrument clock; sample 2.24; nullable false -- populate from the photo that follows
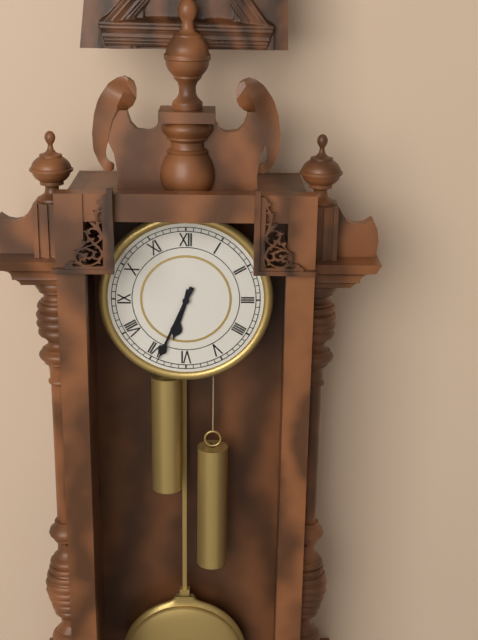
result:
6.34
